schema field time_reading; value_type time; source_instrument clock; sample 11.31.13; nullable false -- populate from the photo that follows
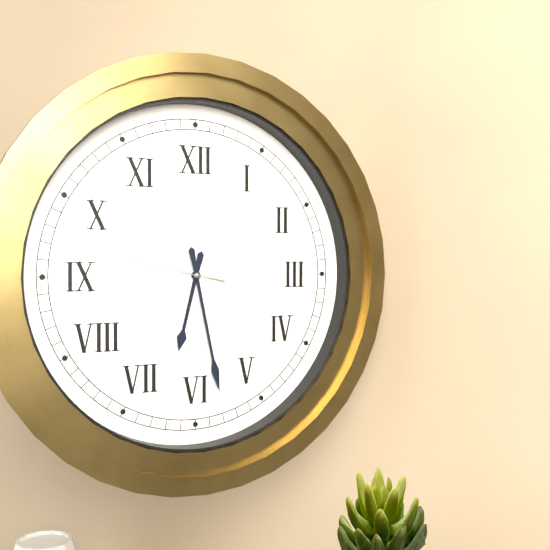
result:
6.28.47
